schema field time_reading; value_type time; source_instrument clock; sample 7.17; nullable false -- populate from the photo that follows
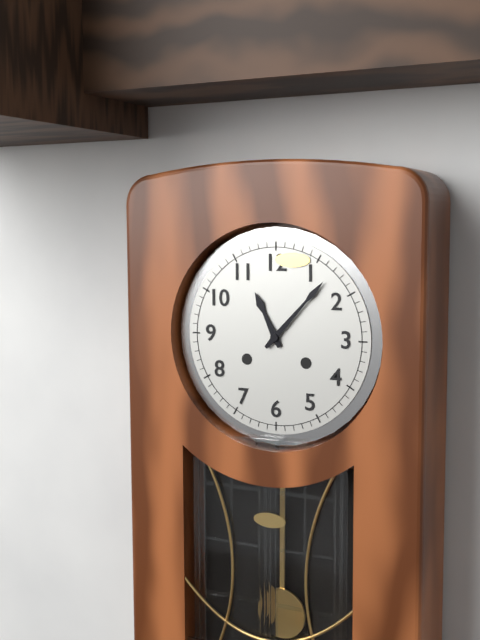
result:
11.07
